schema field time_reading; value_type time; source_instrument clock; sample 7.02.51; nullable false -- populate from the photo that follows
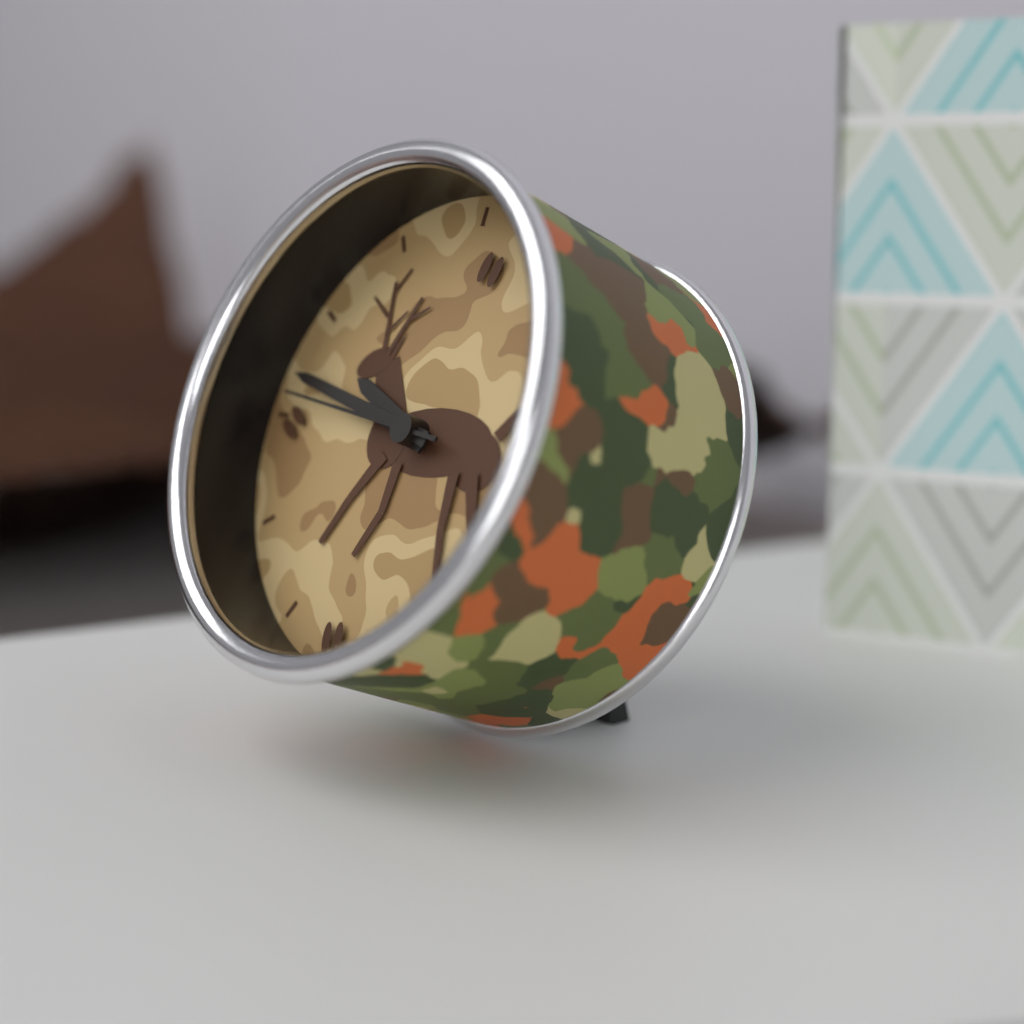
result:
9.47.46
